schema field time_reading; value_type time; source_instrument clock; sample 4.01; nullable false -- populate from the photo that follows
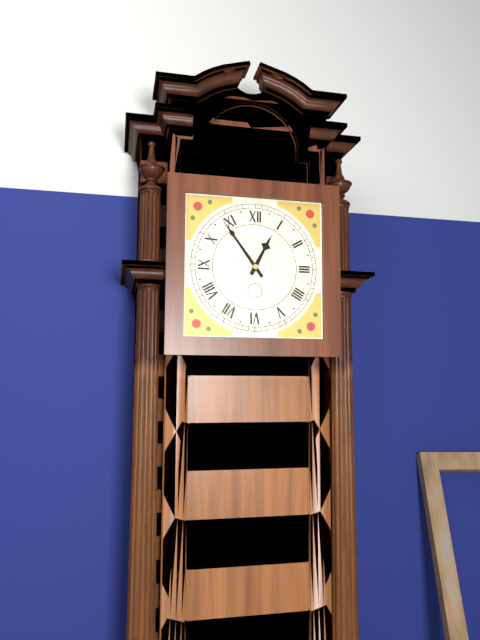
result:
12.54
